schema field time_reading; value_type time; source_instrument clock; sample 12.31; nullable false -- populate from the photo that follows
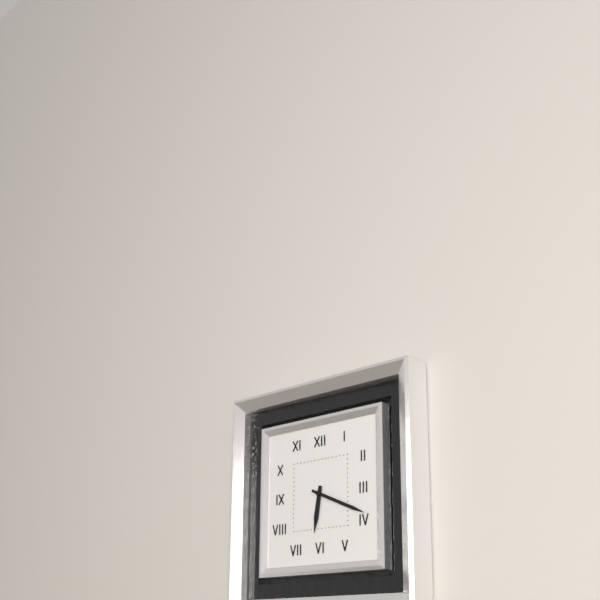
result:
6.19
